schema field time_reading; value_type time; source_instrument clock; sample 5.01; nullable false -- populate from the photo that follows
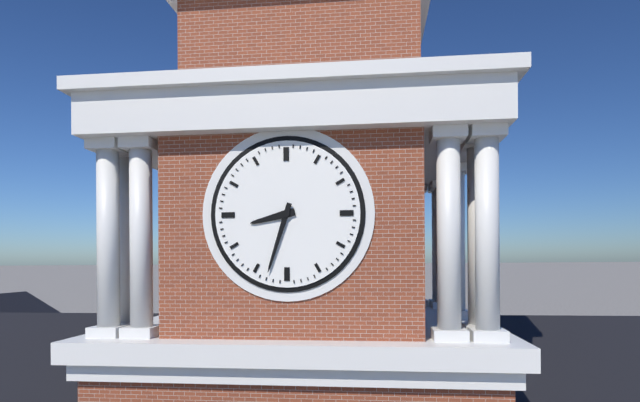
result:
8.33
